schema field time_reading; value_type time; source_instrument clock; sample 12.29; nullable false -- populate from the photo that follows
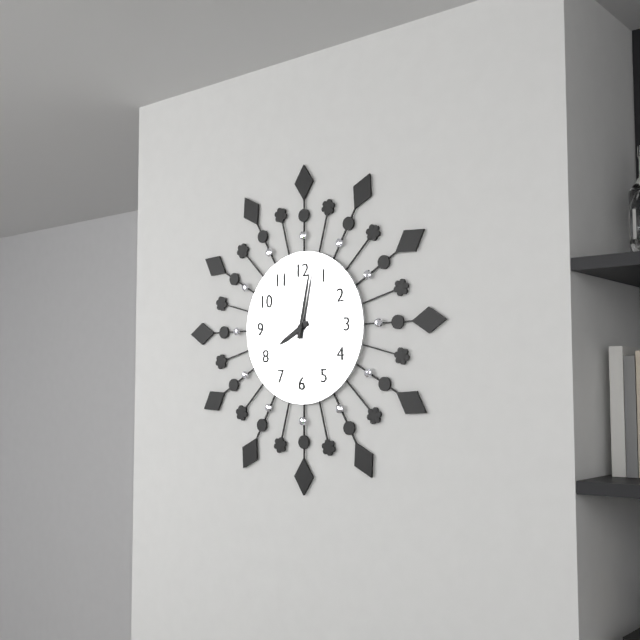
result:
8.02
